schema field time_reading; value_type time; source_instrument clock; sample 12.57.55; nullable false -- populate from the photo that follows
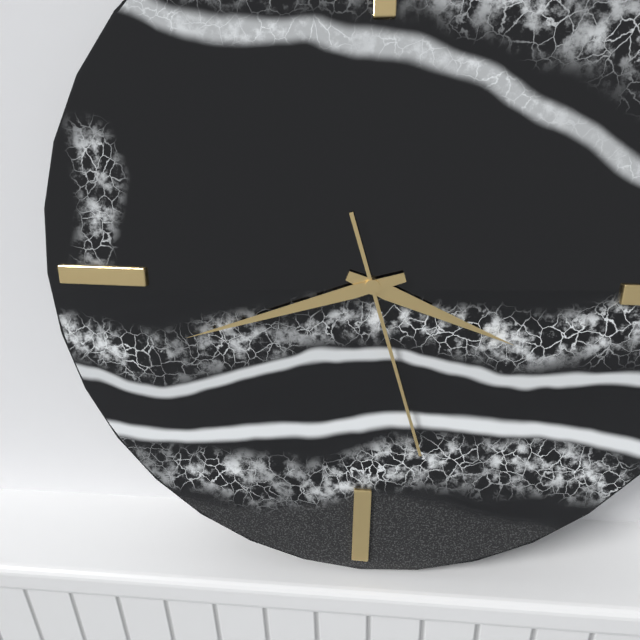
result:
3.42.27
